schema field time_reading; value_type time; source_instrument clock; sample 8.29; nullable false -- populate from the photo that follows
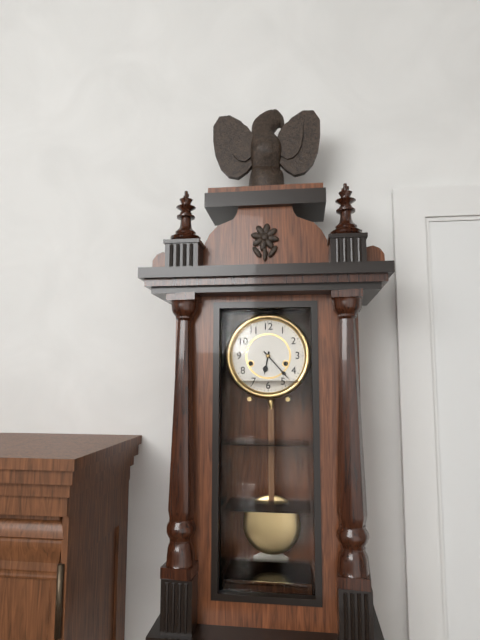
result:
6.23
